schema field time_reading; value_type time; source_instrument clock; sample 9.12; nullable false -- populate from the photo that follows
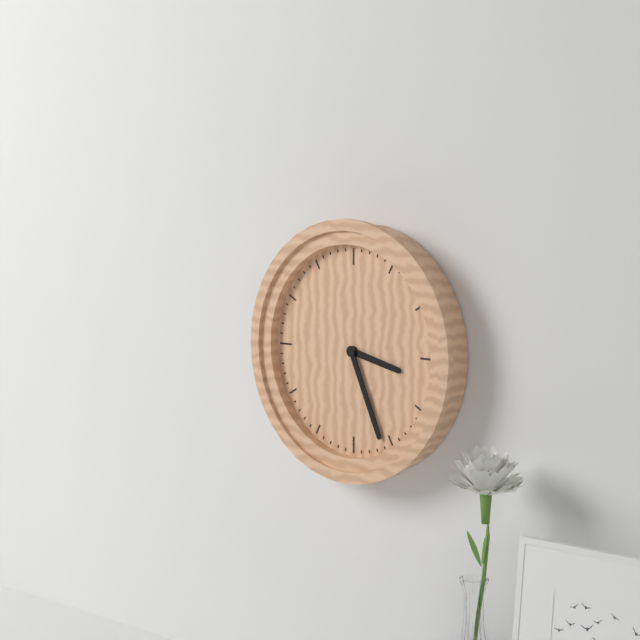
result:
3.26
